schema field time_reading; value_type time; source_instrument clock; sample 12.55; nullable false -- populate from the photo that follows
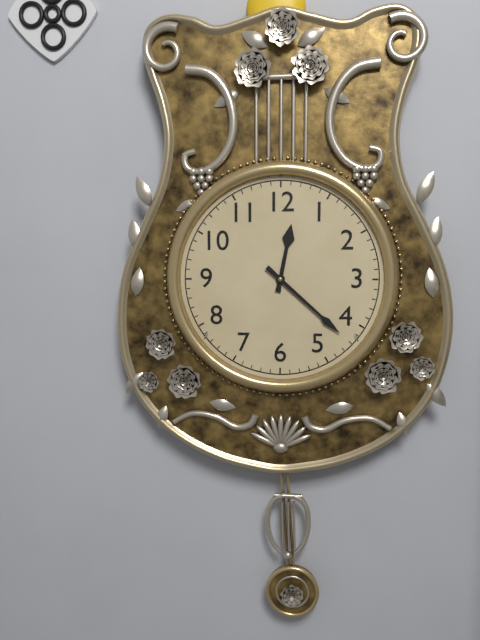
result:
12.22
